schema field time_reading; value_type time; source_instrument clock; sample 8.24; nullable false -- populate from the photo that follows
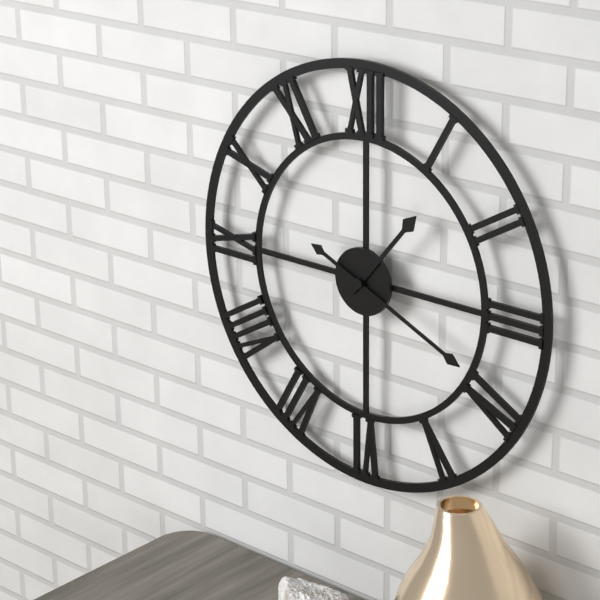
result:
1.19
